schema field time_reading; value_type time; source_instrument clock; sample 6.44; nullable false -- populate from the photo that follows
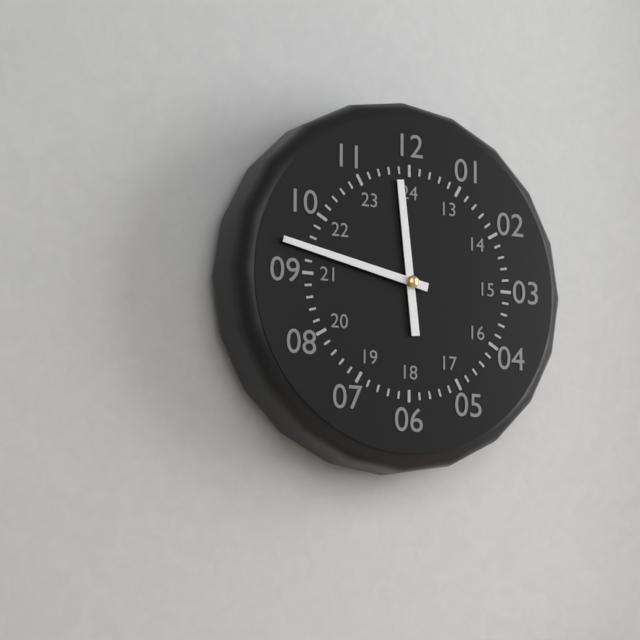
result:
11.47
